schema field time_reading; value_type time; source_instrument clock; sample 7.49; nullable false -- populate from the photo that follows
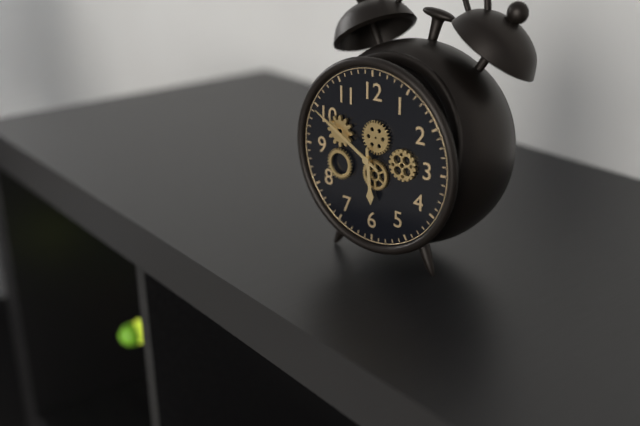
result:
5.50
